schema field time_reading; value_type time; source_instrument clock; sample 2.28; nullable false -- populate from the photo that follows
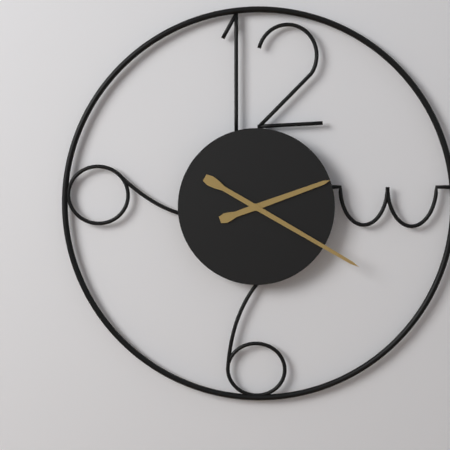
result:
2.20
